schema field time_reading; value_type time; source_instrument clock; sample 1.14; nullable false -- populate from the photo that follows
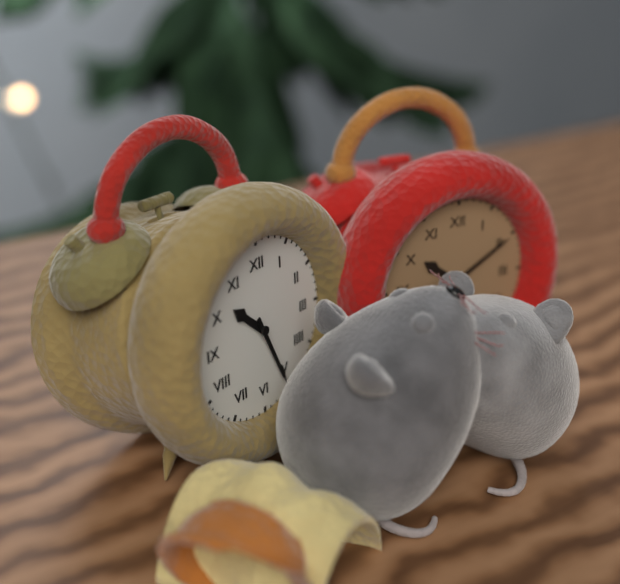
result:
10.26
